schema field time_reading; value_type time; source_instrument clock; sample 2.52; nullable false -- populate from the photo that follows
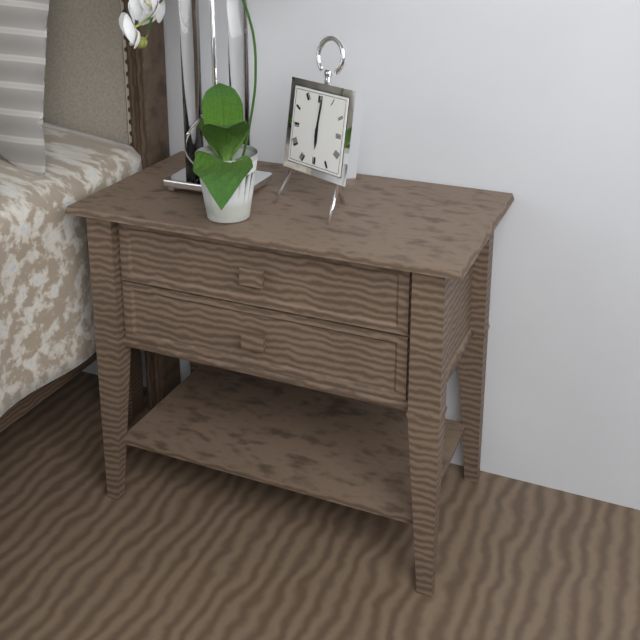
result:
6.01
